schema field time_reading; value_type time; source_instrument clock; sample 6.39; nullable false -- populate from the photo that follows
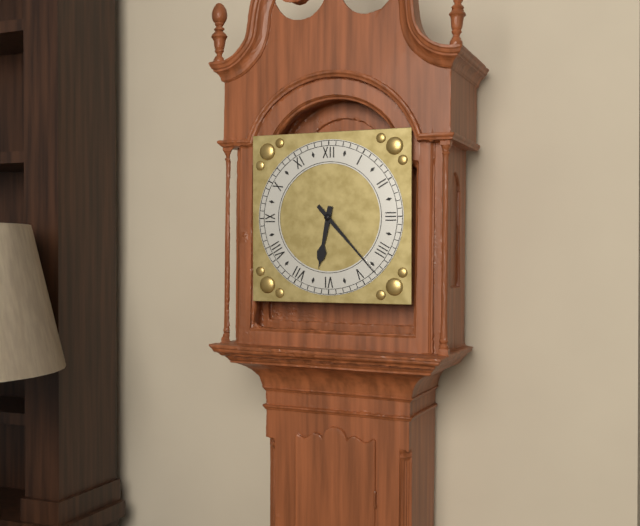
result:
6.23
